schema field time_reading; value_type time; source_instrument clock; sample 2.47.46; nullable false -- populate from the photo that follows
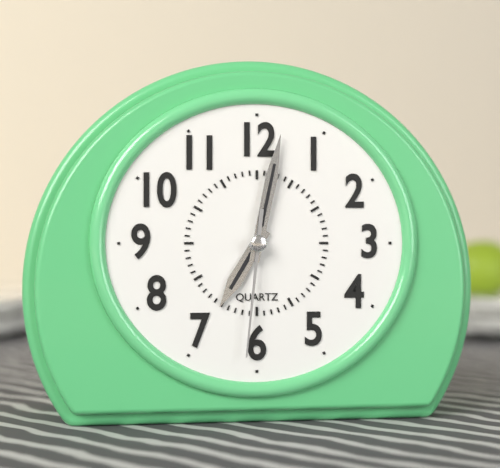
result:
7.02.31
